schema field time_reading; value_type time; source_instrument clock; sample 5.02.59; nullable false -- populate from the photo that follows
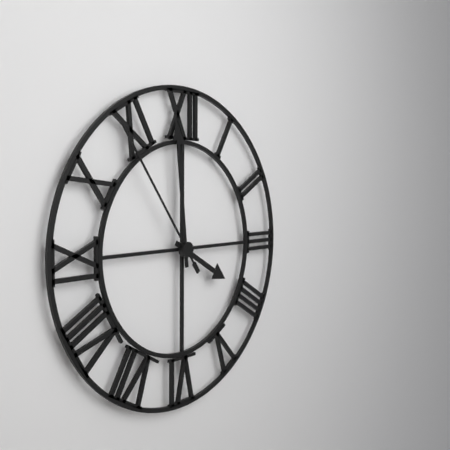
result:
3.59.54
